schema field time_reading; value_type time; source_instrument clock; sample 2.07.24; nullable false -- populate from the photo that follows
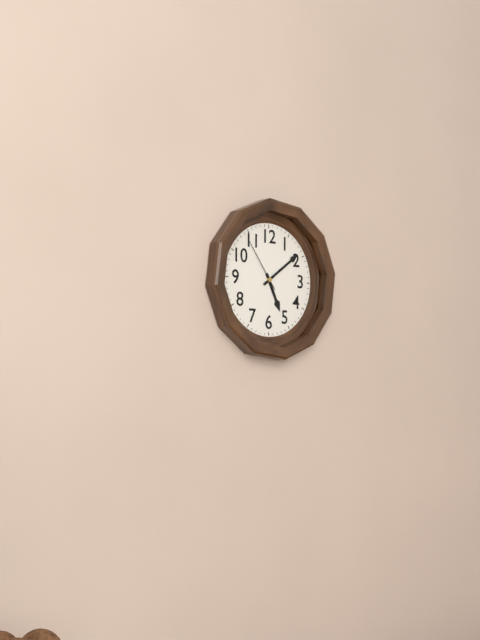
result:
5.09.54
